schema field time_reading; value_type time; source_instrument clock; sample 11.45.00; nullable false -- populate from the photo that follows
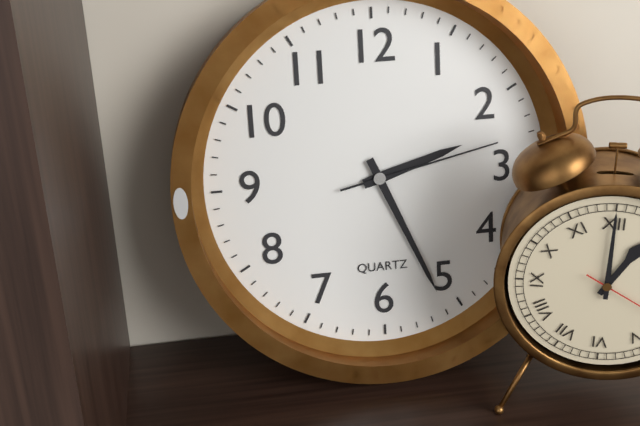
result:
2.26.13
